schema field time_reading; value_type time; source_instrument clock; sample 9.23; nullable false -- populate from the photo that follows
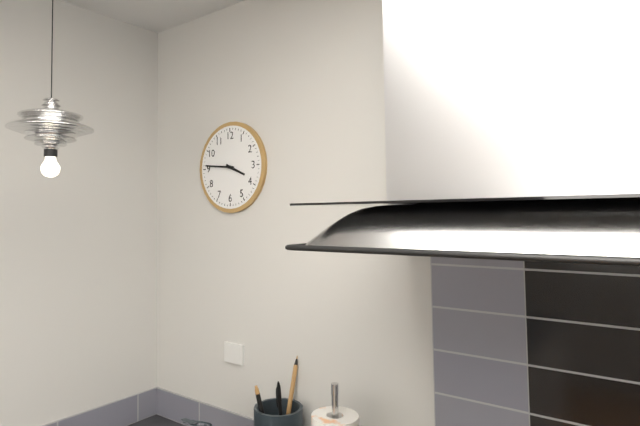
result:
3.46
